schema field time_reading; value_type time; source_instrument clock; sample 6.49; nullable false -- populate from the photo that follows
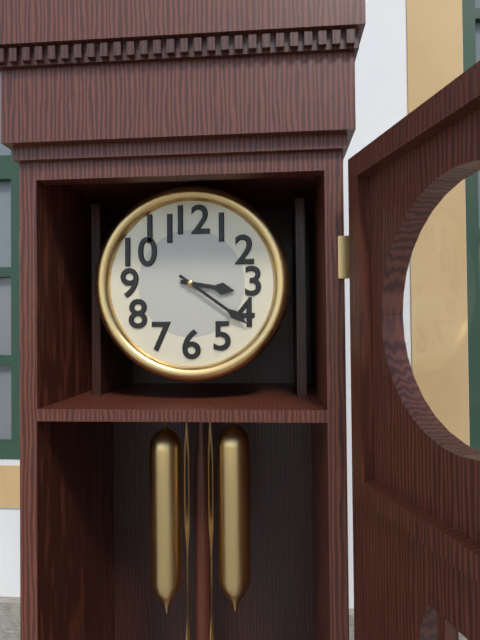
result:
3.21
